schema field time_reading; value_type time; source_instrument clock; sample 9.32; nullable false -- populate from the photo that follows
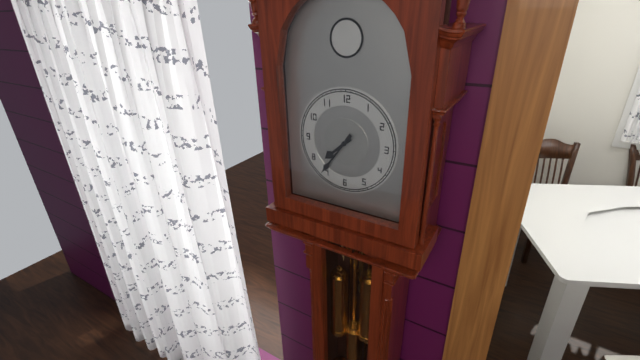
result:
7.36
